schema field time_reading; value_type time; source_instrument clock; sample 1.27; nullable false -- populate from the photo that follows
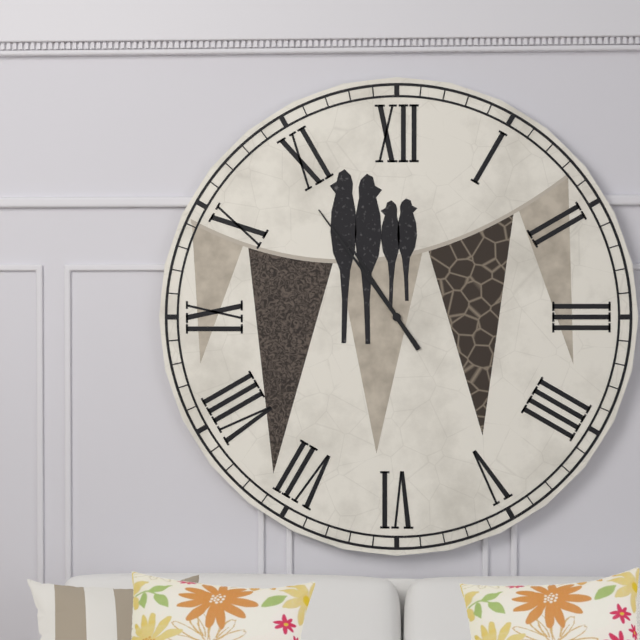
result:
10.54
